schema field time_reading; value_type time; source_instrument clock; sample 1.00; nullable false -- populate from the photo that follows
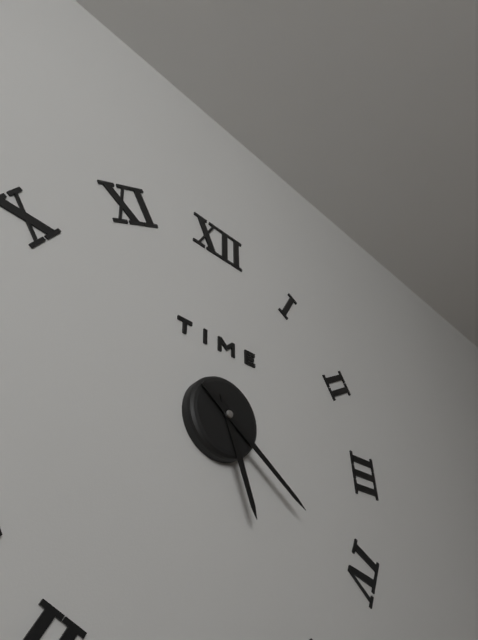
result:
5.21
